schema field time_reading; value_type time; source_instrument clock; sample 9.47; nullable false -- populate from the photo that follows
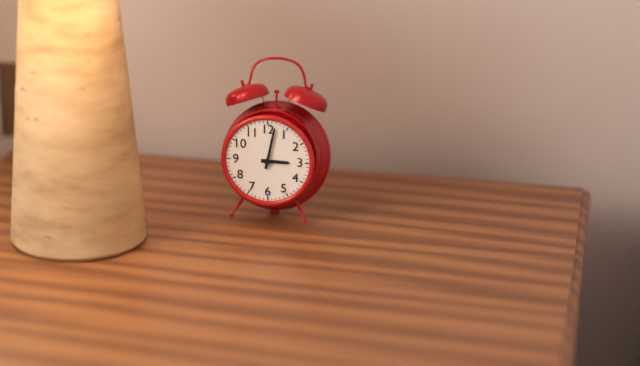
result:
3.02
